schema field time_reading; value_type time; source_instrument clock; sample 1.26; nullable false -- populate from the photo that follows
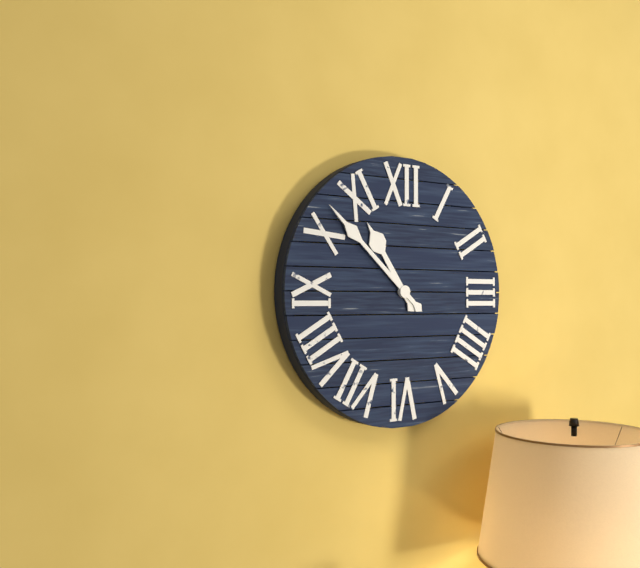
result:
10.52
